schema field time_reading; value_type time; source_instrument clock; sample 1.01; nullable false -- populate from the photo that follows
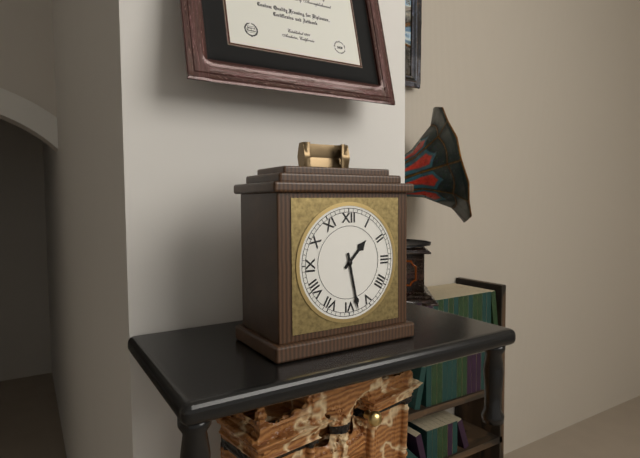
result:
1.28
